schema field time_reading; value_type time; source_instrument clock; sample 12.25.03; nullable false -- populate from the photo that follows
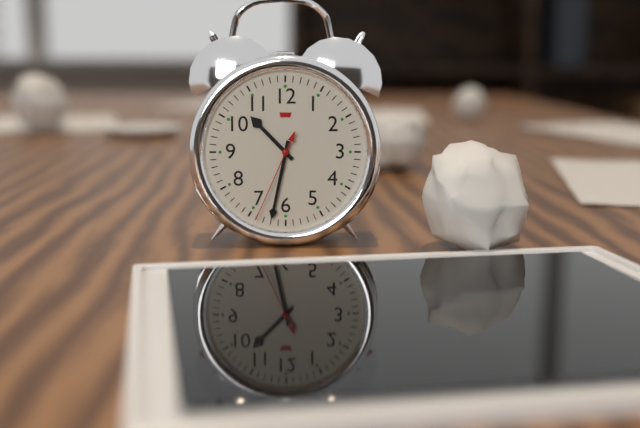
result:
10.32.34
